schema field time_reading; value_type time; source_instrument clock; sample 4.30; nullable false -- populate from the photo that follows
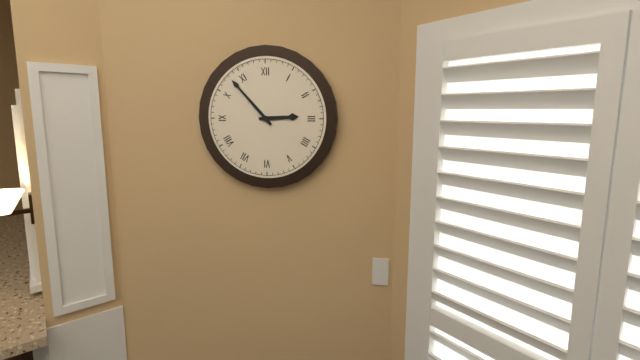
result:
2.53
